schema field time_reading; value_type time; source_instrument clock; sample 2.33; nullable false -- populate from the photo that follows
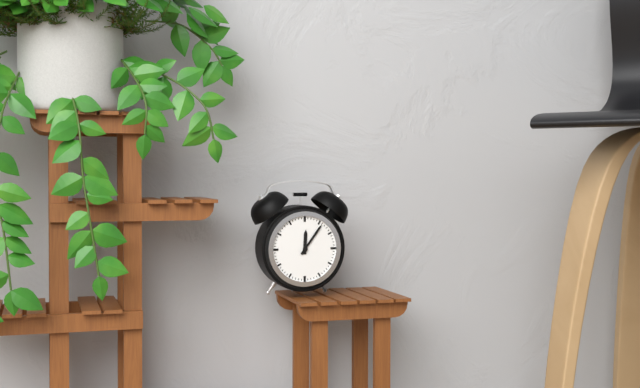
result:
12.06
